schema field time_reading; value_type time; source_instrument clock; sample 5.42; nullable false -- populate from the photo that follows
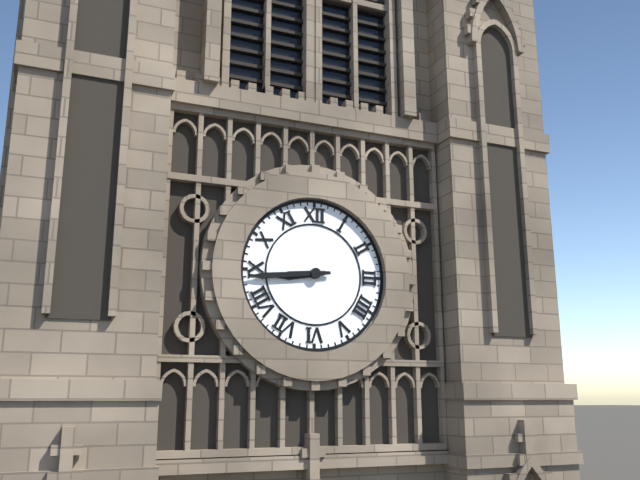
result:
8.44
